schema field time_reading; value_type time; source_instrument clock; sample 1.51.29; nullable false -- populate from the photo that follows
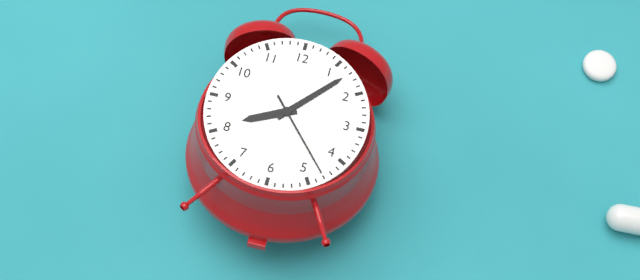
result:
8.07.23
